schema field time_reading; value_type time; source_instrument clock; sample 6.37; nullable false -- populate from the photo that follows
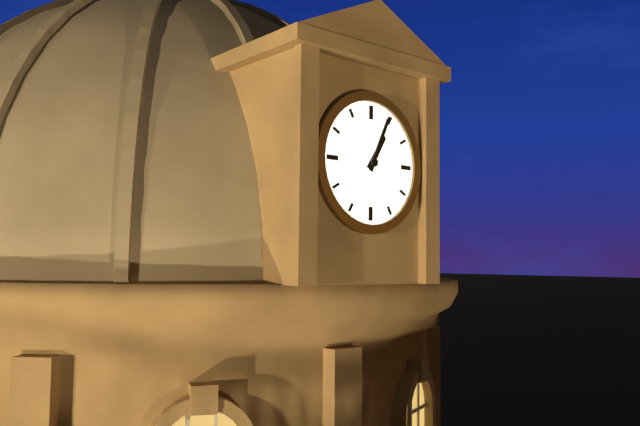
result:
1.04
